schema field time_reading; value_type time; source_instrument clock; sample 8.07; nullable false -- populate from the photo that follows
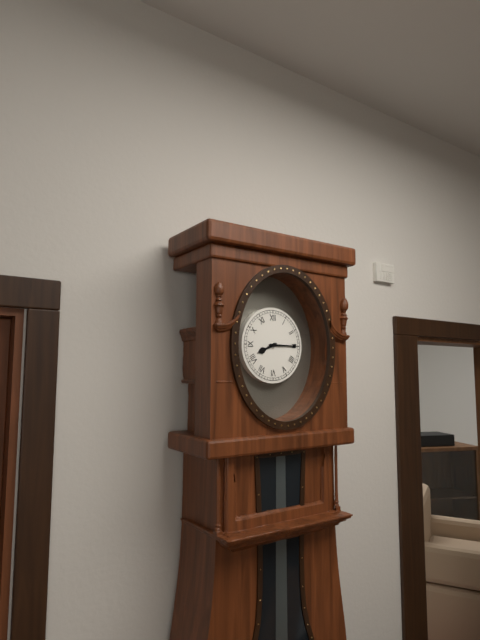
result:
8.15
